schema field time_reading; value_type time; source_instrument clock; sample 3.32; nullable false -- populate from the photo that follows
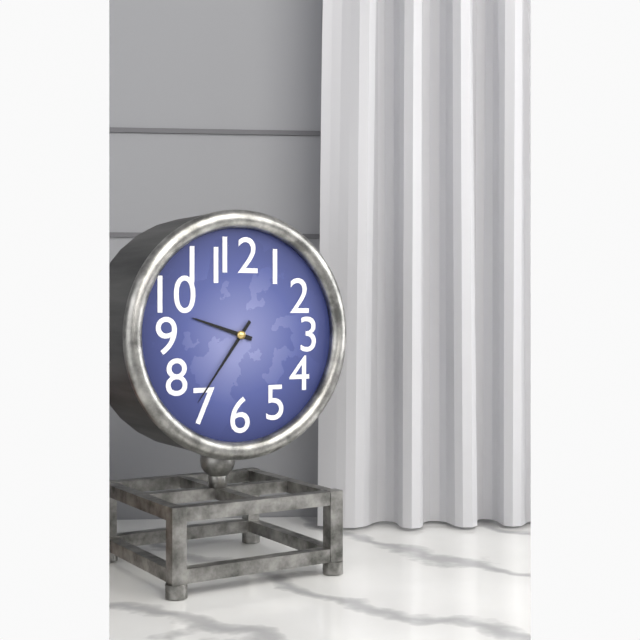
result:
9.36
